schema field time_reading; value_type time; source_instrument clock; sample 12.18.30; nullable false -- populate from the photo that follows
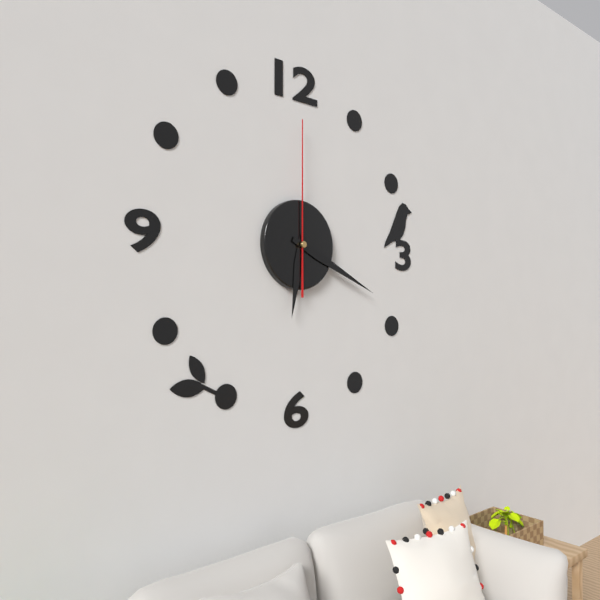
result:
6.19.00
